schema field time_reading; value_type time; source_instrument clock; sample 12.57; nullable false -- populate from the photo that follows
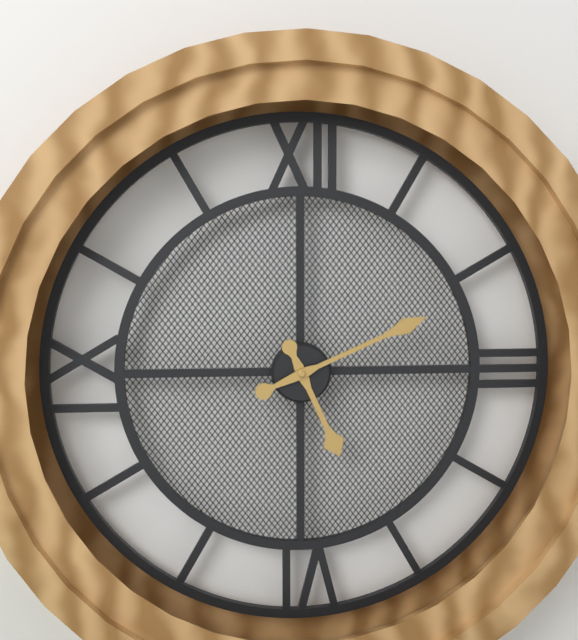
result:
5.11
